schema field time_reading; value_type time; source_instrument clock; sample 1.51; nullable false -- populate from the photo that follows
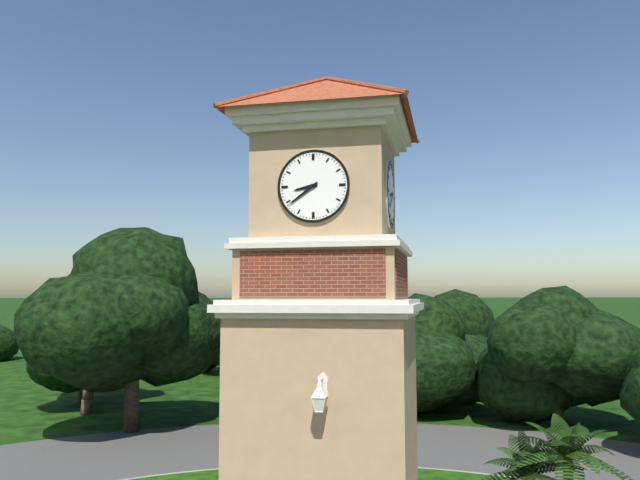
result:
8.39
